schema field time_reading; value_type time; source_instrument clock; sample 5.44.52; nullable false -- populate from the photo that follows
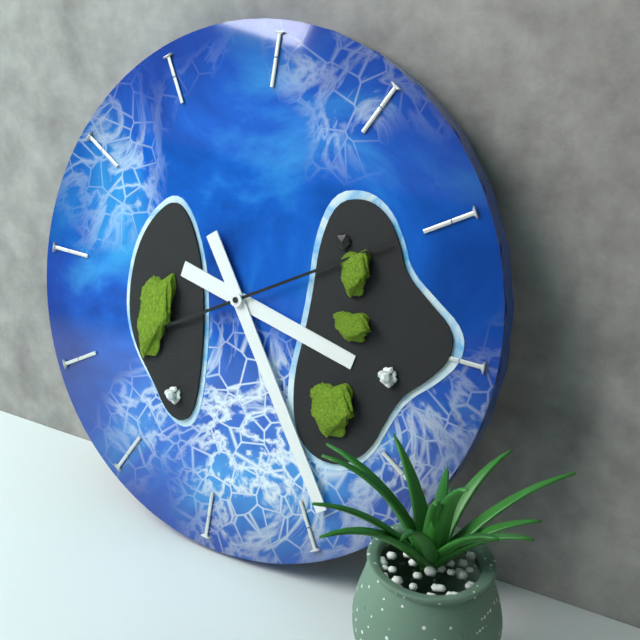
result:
3.24.10
